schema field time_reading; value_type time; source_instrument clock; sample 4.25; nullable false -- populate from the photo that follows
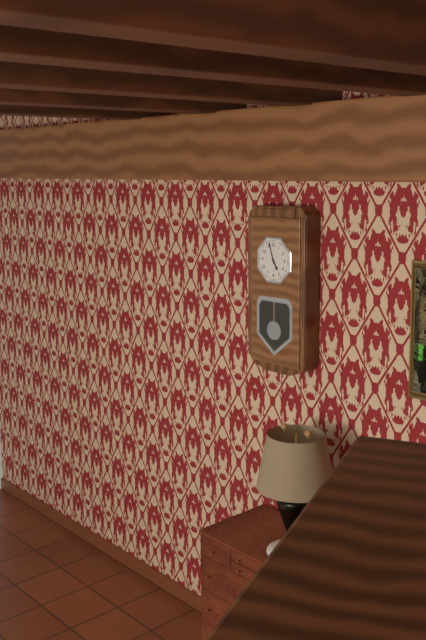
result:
4.57
